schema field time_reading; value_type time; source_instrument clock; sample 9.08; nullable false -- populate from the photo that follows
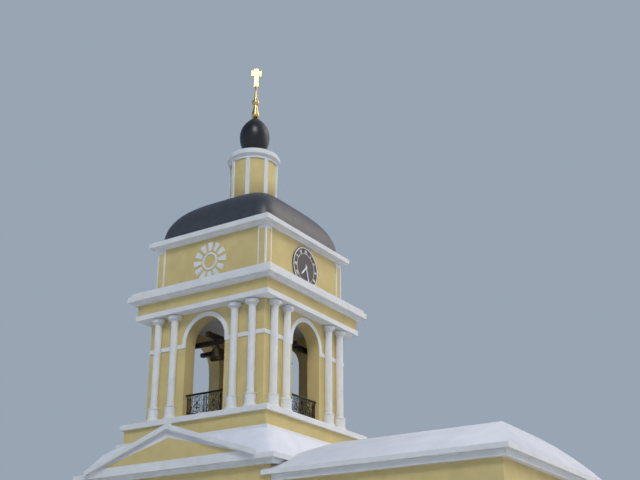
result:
7.27
